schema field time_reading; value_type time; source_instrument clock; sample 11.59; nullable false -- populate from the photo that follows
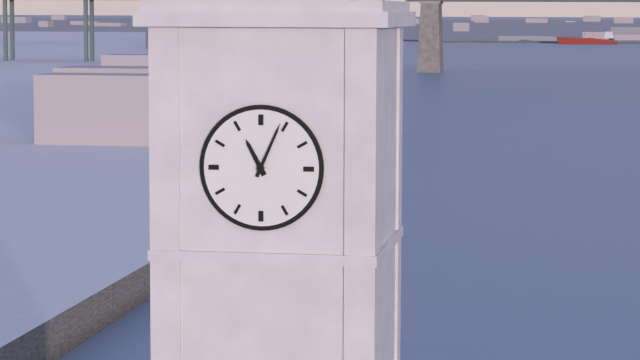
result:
11.04
